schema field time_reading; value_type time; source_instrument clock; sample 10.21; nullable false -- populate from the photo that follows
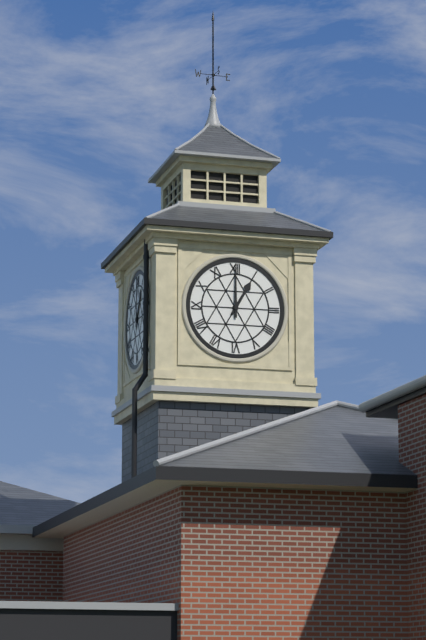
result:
1.00
